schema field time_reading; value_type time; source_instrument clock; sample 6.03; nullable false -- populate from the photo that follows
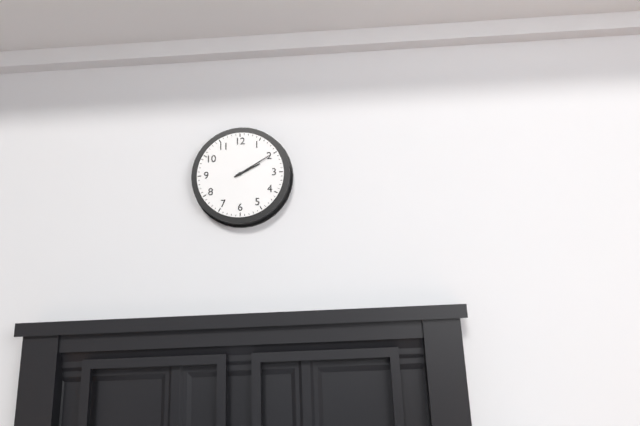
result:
2.10
